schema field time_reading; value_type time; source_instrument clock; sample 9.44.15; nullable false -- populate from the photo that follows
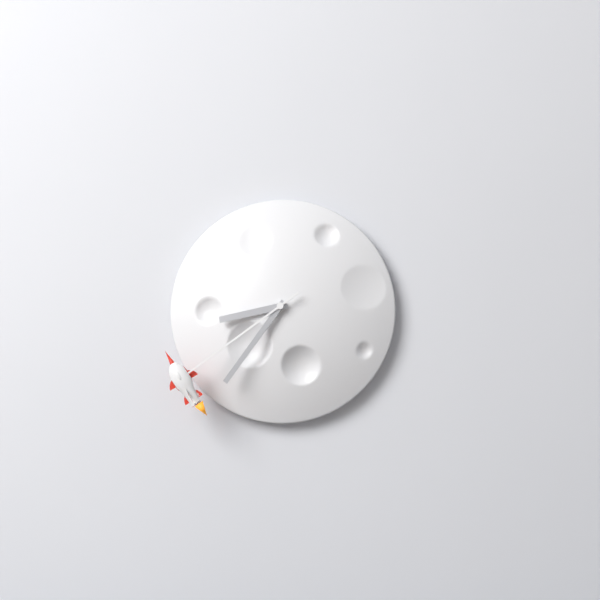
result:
8.36.39
